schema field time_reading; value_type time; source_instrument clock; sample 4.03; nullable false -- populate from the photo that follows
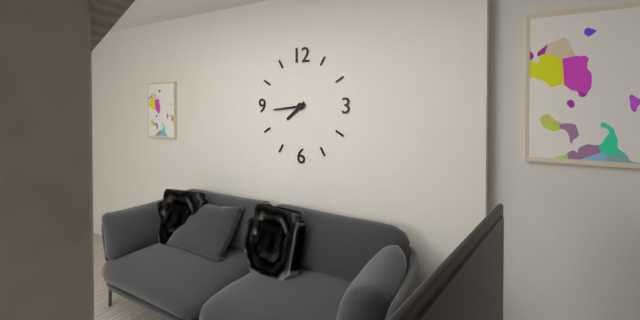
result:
7.44
